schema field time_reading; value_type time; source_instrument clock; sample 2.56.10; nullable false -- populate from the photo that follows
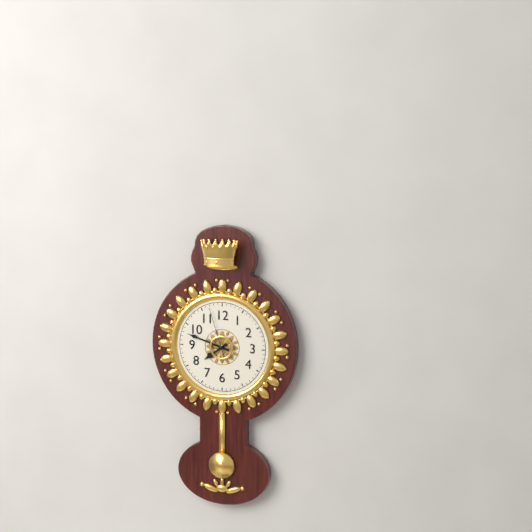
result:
7.48.57
